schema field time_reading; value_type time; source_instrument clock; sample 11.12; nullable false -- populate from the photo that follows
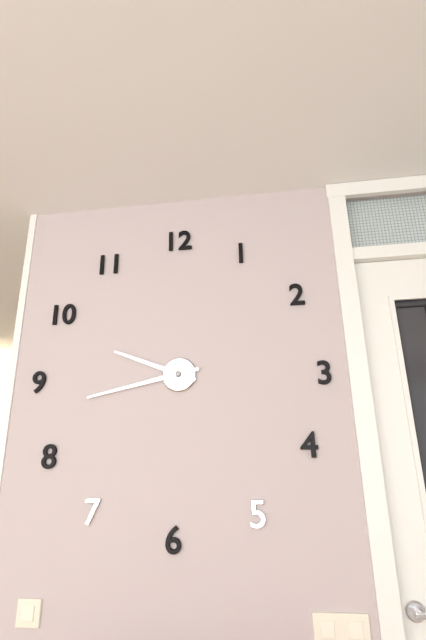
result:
9.43
